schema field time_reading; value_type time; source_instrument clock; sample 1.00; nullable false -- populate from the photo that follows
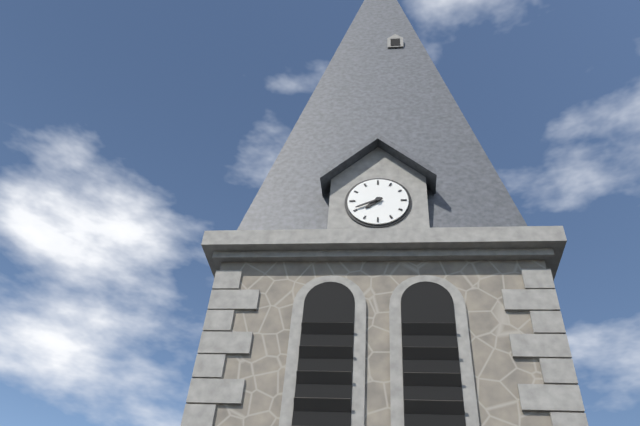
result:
7.41
